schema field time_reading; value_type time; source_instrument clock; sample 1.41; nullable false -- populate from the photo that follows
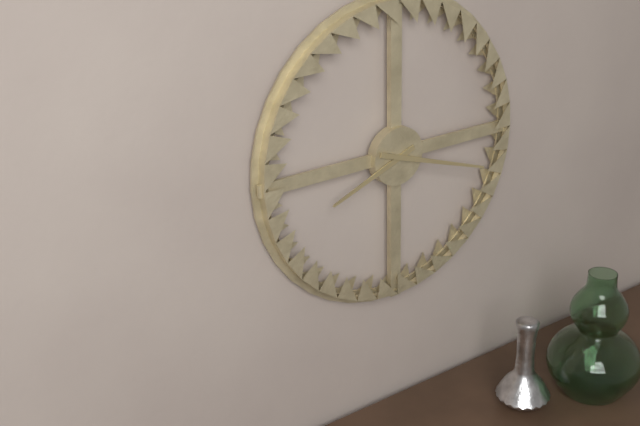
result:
8.18
